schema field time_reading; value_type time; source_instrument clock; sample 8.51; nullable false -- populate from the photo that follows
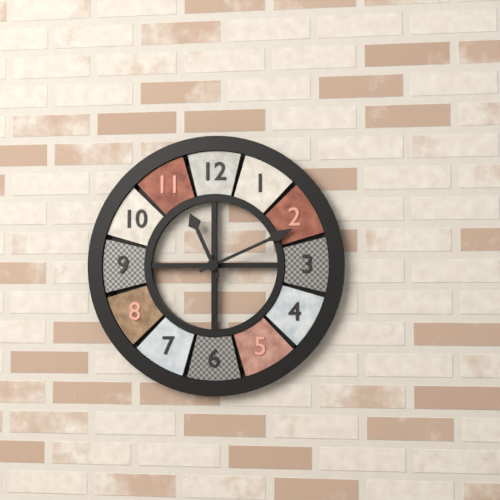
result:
11.11
